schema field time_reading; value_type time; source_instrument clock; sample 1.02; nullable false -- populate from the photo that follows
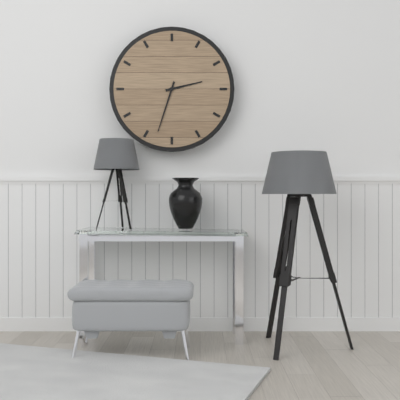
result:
2.33
